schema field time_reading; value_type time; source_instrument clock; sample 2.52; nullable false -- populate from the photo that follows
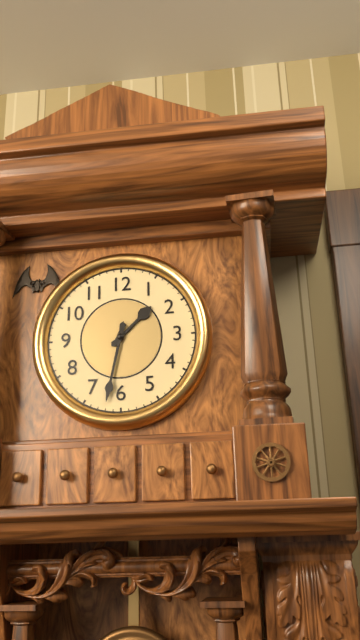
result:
1.32
